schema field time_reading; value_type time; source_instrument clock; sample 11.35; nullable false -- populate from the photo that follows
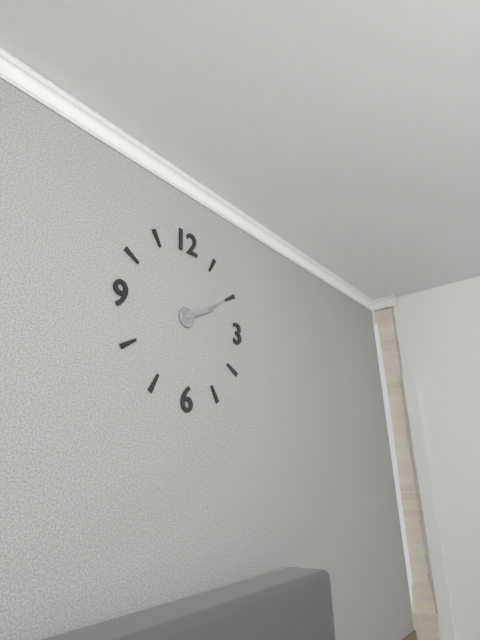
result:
2.10
